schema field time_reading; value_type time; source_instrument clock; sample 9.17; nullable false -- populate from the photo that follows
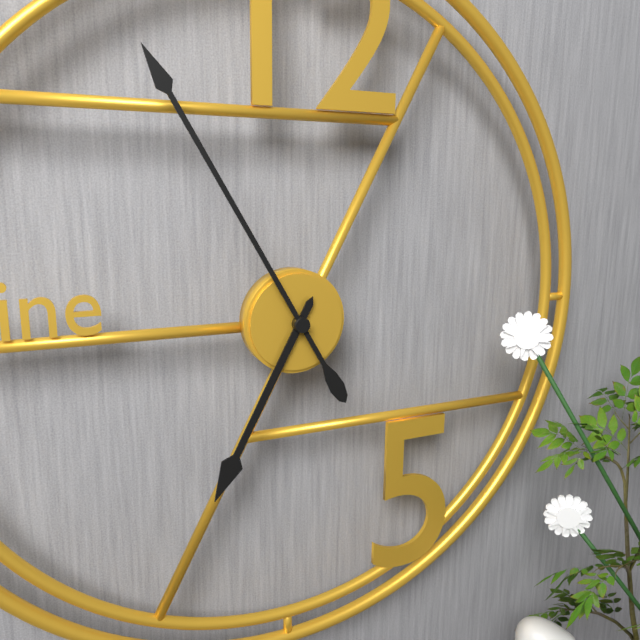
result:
6.55
